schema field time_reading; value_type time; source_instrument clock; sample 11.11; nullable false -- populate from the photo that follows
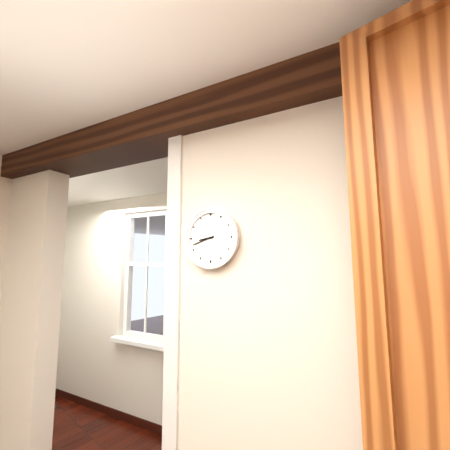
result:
8.42
